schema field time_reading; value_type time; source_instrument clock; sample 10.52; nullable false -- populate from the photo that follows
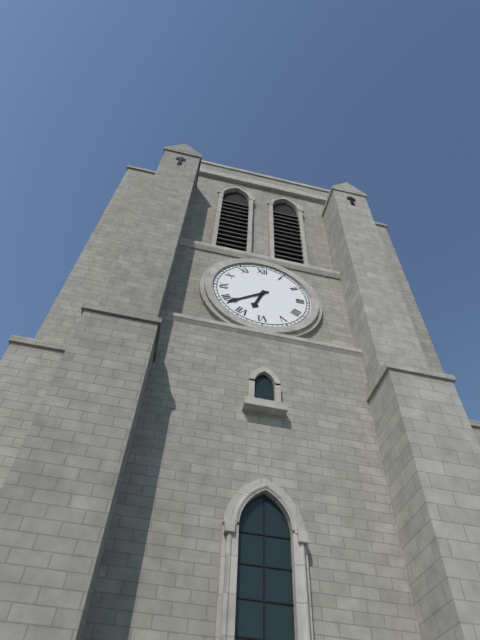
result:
6.39
